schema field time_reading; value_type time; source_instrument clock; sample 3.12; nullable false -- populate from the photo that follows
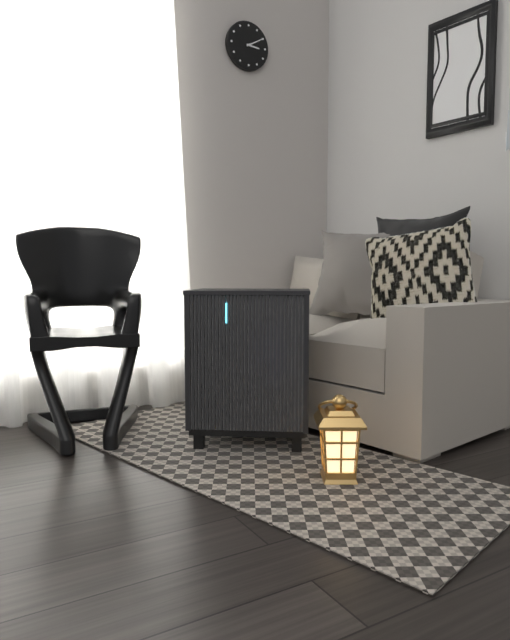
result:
3.10
